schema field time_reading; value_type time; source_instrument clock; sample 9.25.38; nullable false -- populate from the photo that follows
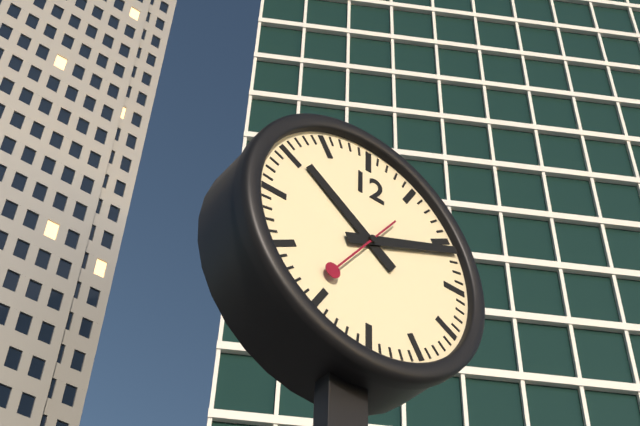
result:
10.11.36
